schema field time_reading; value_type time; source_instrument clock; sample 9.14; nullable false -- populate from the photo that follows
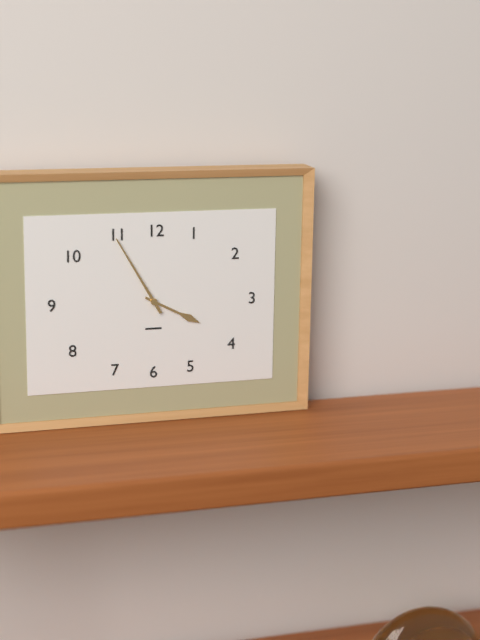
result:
3.55
